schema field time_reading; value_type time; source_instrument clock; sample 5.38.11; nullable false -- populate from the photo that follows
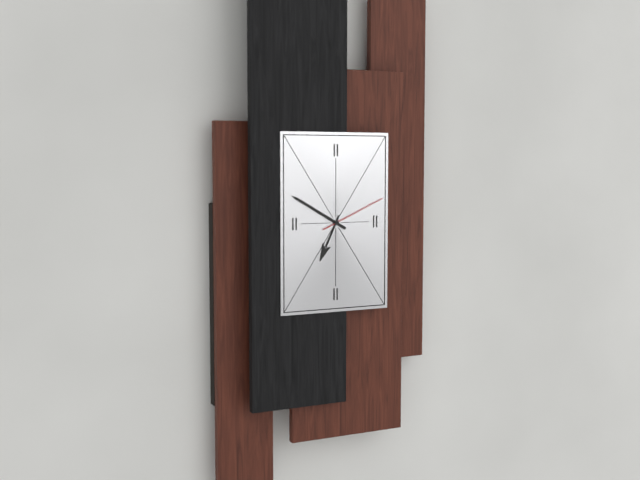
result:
6.50.11
